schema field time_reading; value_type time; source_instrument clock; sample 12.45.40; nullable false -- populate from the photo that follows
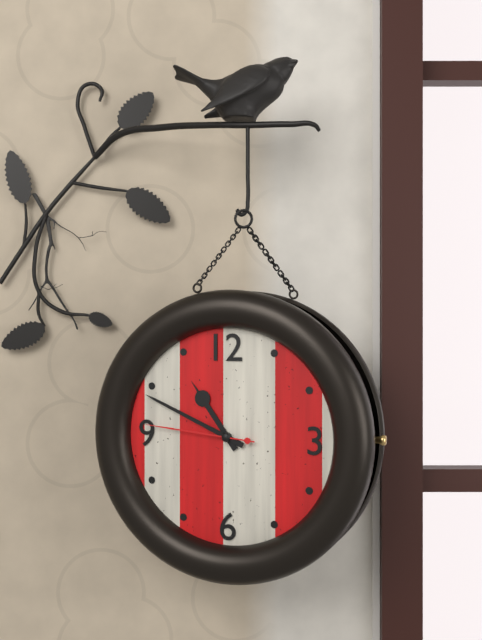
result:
10.49.46
